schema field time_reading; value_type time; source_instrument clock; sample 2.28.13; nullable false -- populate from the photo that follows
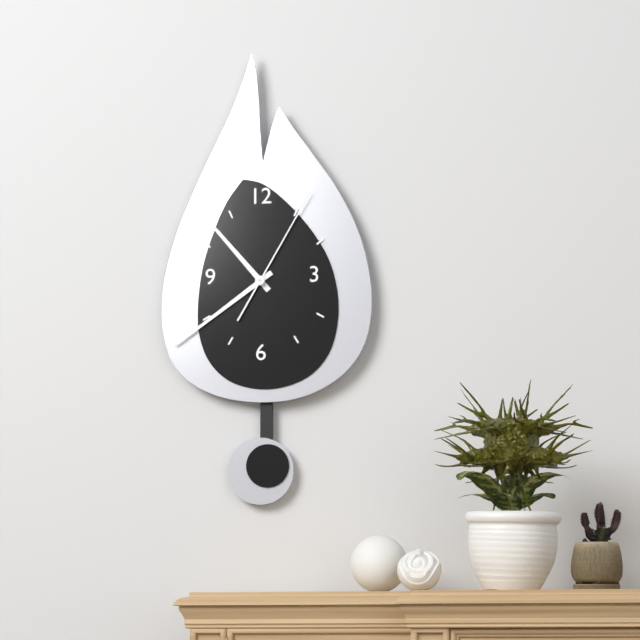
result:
10.39.05
